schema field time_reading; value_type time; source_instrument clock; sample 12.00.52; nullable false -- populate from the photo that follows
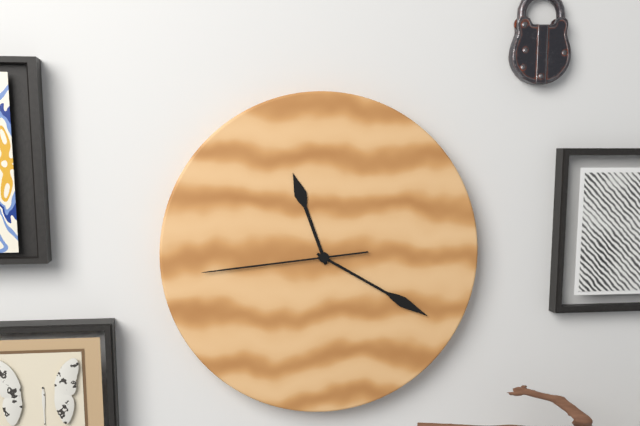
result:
11.20.44
